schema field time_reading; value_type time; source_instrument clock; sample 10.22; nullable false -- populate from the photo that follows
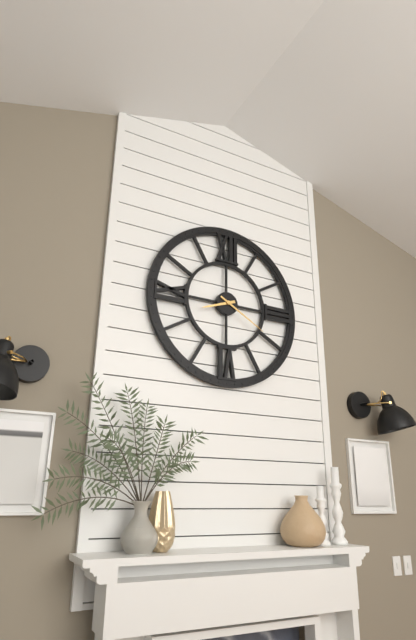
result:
8.20
